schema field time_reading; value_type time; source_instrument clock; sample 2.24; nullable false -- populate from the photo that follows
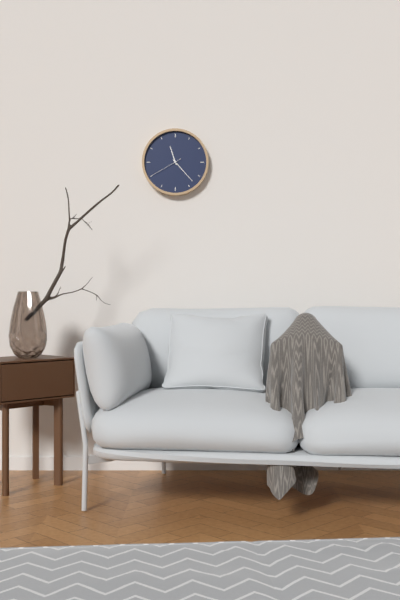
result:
11.23
